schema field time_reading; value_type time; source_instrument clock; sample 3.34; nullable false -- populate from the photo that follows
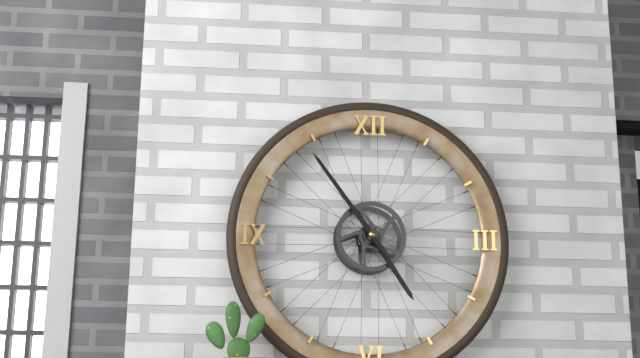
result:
4.54
